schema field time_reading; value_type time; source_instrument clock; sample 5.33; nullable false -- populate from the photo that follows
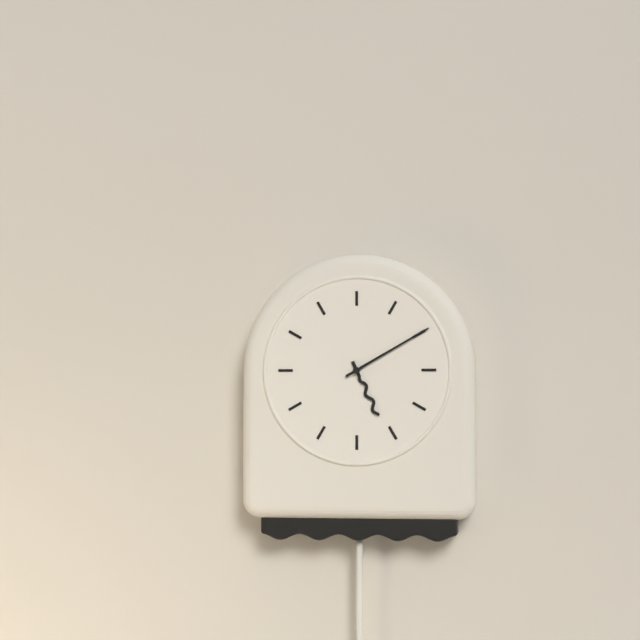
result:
5.10
